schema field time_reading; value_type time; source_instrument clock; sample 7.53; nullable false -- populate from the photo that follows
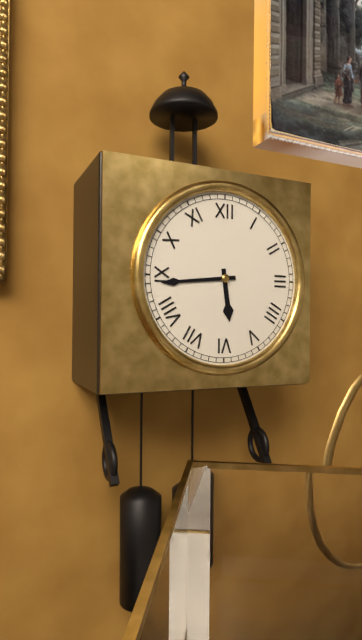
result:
5.44
